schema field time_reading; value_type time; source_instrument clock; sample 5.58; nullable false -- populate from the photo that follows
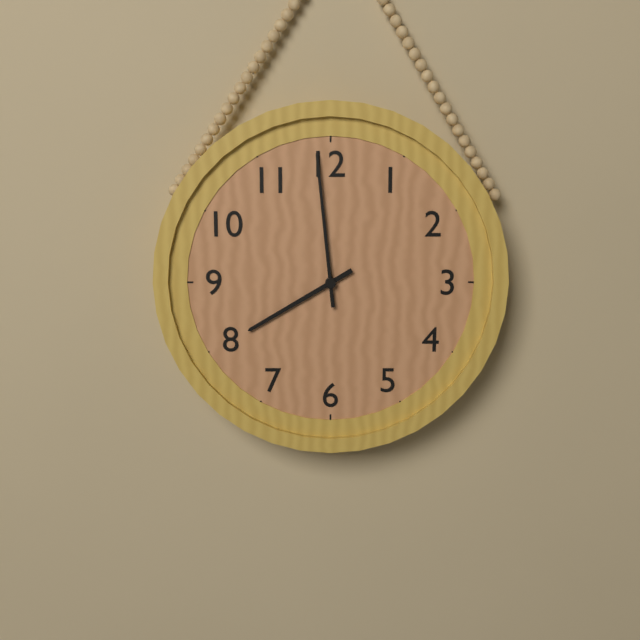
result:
7.59
